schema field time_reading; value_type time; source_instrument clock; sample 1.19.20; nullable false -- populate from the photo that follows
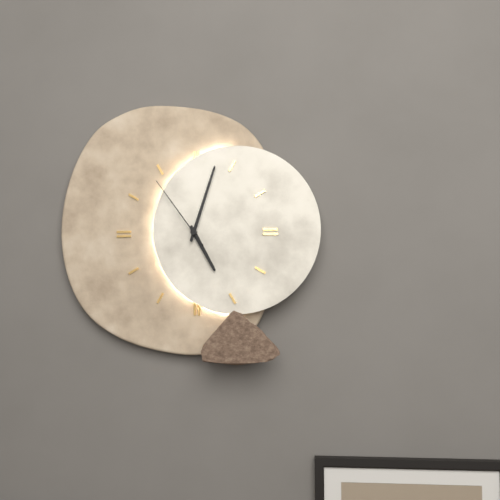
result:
5.03.54
